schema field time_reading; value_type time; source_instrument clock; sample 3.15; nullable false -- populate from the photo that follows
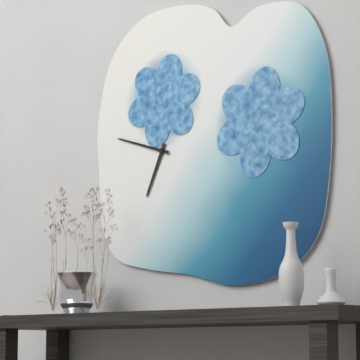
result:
6.48
